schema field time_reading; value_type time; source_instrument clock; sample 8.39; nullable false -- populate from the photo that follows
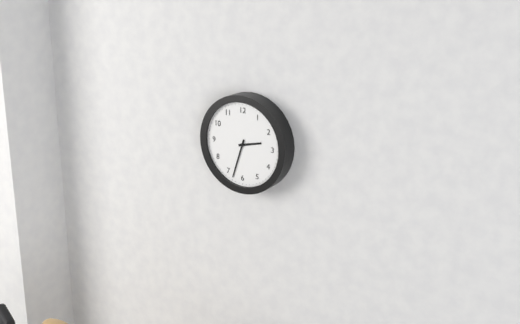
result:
2.33
